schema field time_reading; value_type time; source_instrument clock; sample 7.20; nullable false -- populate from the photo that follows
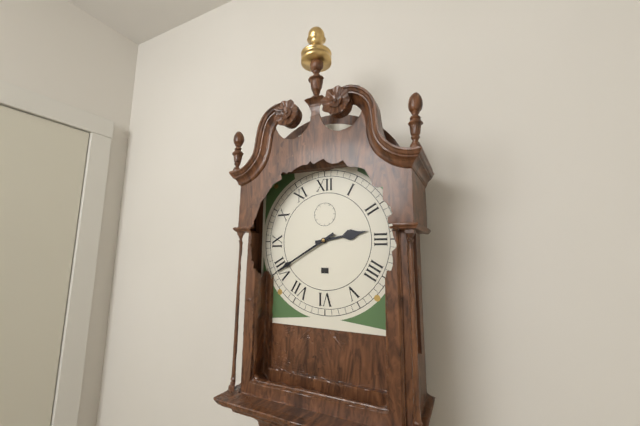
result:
2.40
